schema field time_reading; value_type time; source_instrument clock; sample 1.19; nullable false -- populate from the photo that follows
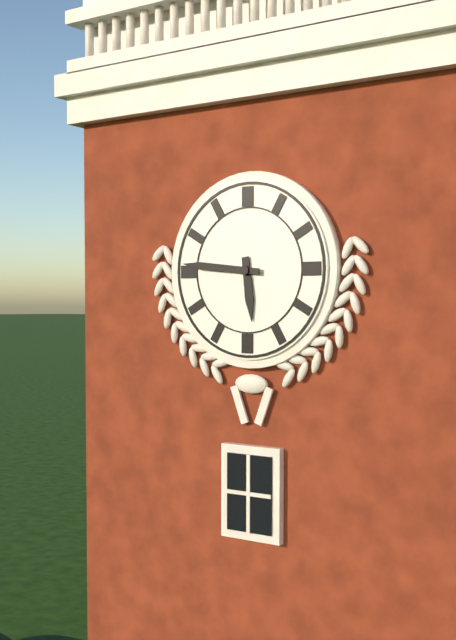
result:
5.46
